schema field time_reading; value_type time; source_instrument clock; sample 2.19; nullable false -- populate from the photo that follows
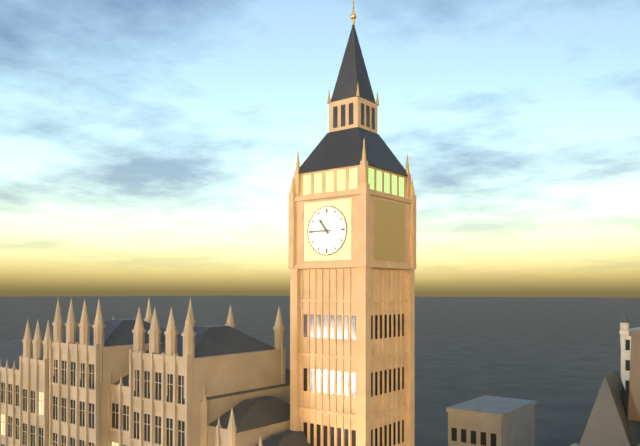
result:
10.45
